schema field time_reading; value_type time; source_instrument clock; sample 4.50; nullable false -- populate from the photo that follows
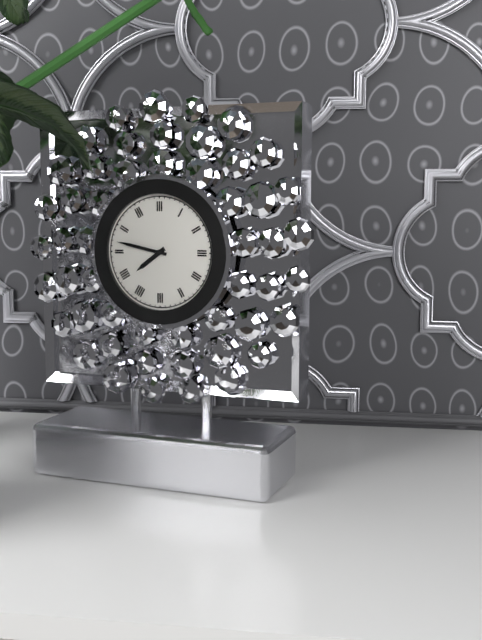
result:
7.47
